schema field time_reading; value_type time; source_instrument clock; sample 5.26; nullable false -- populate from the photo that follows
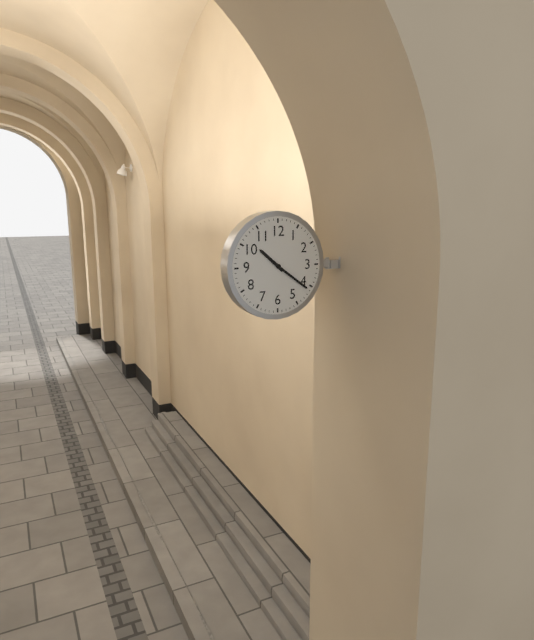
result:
10.21
